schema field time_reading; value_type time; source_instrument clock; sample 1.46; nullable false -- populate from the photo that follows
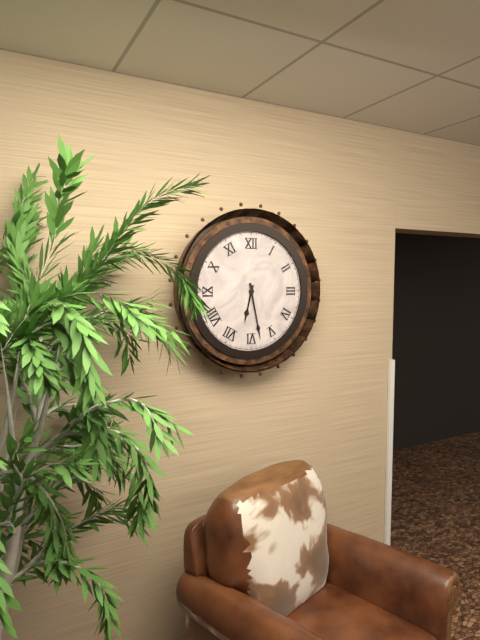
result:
6.28
